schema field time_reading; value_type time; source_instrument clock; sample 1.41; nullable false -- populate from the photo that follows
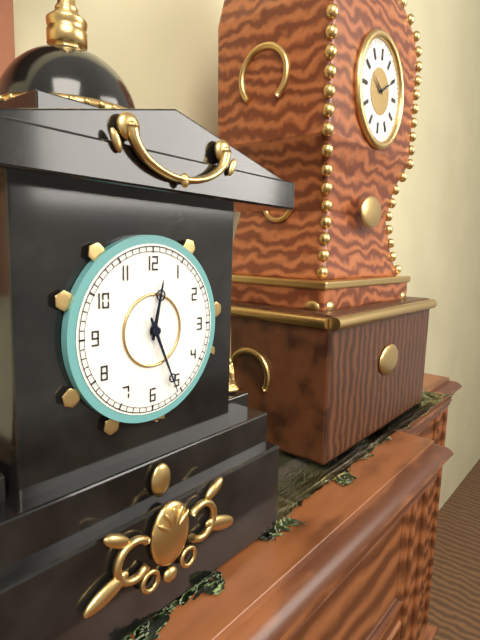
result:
12.26
